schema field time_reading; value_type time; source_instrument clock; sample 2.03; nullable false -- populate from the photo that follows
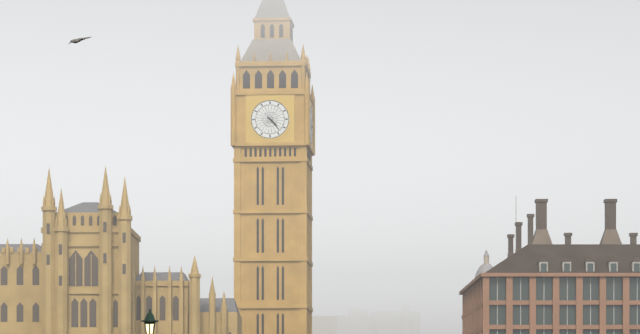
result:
4.23
